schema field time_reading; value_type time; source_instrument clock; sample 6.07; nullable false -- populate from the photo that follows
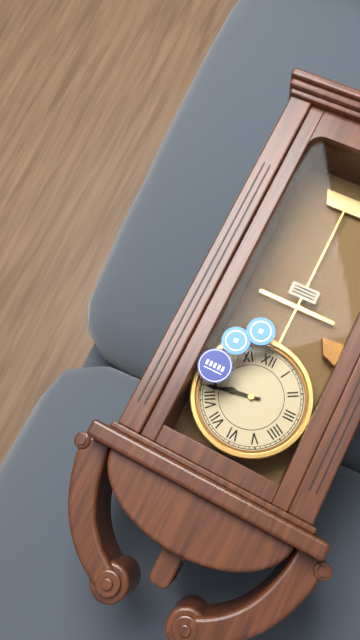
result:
8.43
